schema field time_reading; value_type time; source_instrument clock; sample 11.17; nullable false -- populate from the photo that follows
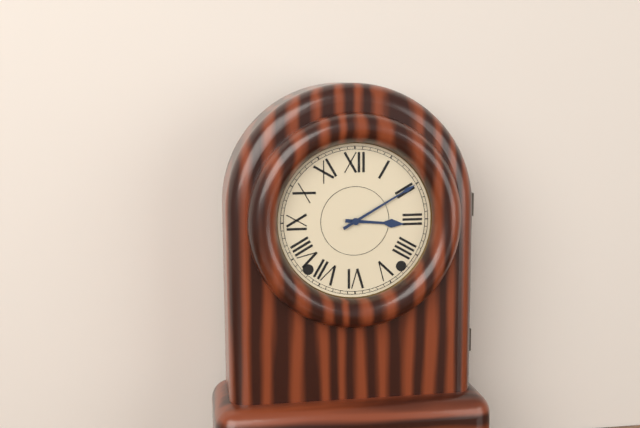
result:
3.10
